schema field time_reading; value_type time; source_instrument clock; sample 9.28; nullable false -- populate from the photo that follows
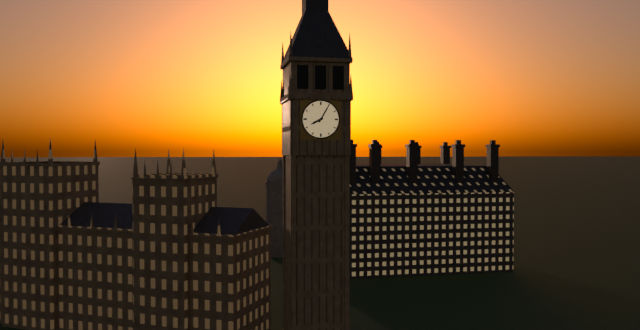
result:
8.05
